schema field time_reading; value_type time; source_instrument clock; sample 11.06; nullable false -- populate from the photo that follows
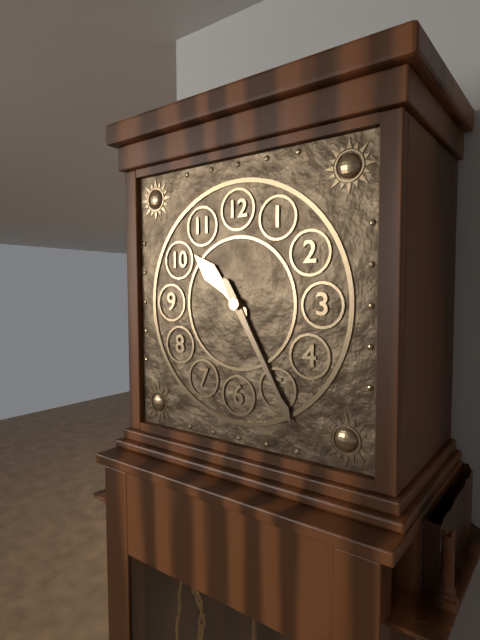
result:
10.25
